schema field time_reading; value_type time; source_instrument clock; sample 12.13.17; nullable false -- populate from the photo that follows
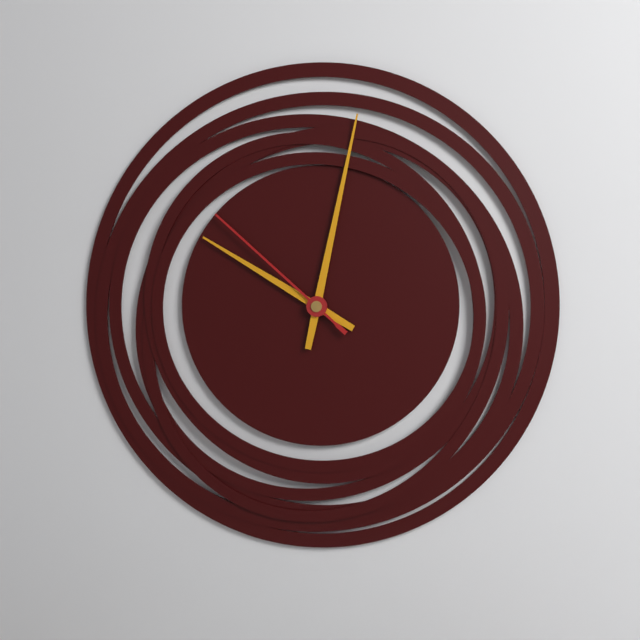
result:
10.02.52
